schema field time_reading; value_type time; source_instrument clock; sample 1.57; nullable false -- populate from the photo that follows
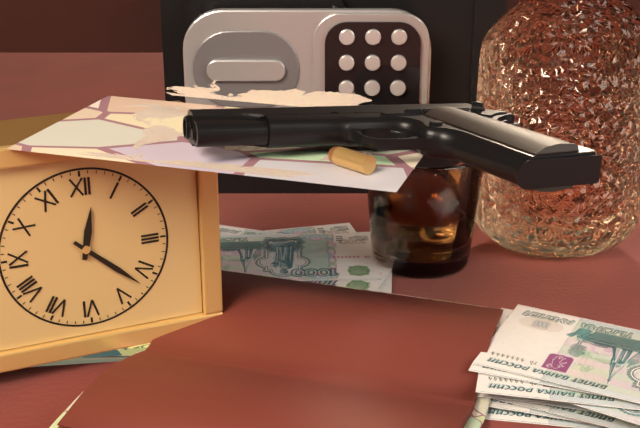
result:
12.22
